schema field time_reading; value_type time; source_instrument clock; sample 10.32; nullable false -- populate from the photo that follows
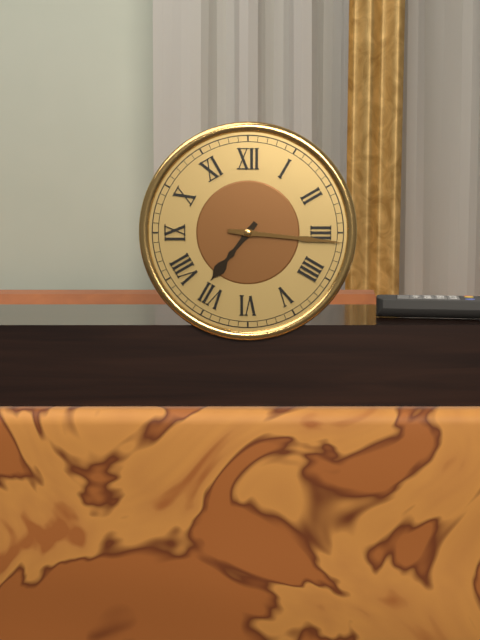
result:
7.16
